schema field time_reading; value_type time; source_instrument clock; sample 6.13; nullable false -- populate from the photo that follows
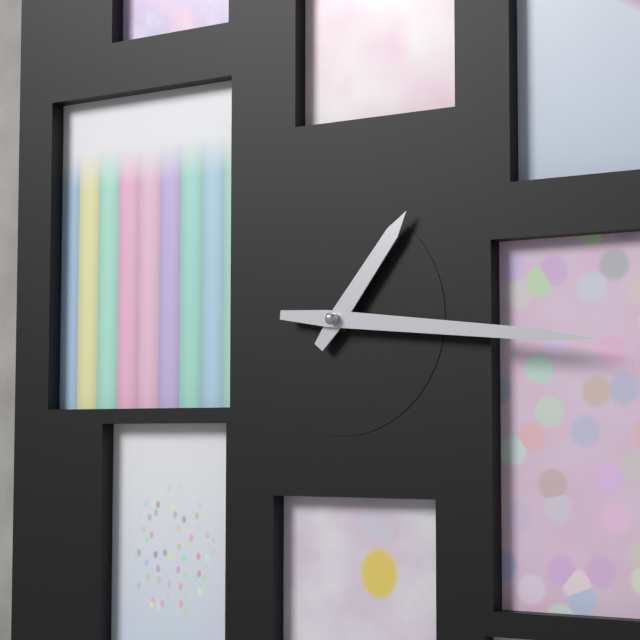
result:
1.16
